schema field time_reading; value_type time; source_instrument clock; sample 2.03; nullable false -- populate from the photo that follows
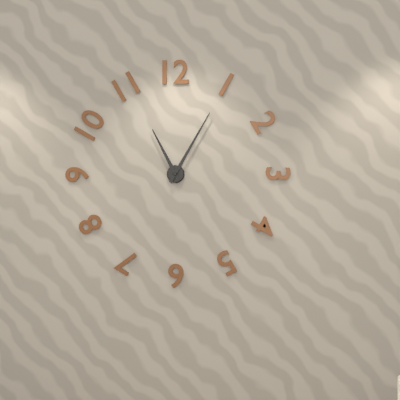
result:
11.05
